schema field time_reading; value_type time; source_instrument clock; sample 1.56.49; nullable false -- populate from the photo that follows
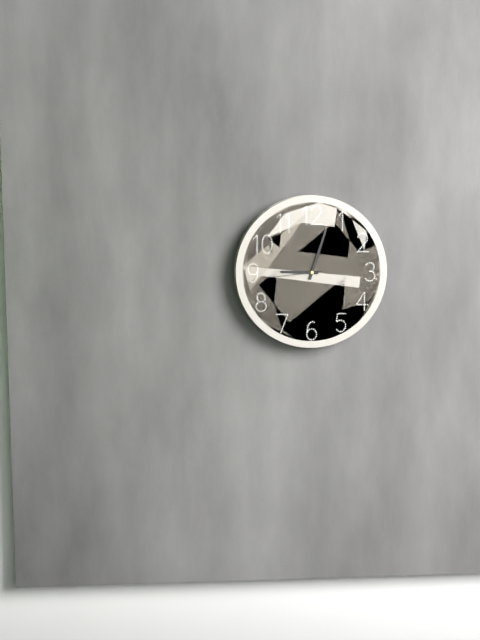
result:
9.03.44
